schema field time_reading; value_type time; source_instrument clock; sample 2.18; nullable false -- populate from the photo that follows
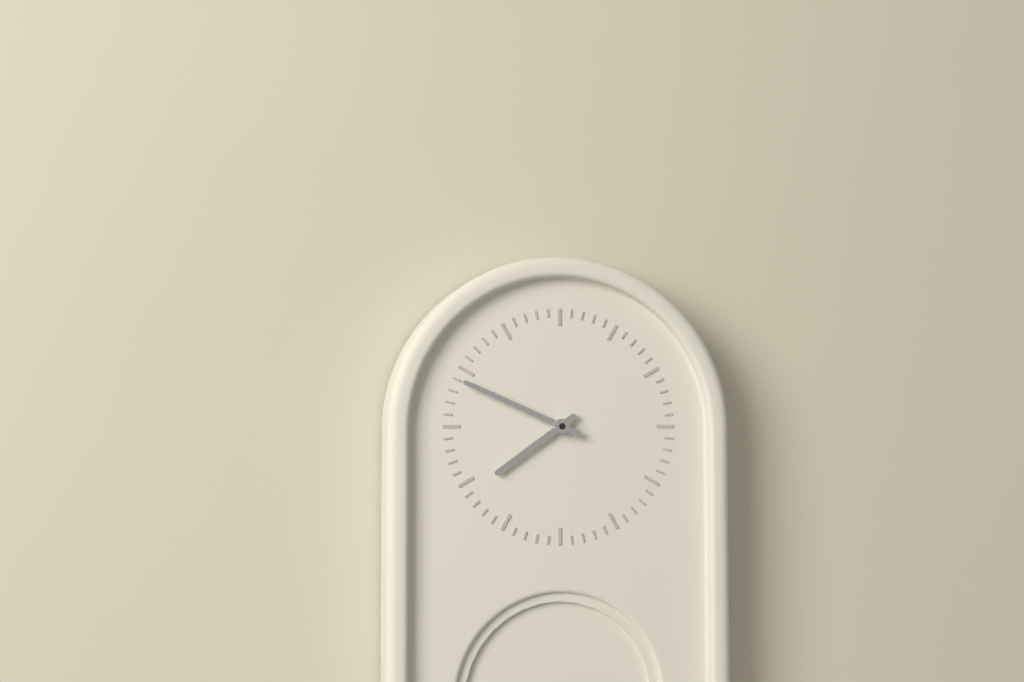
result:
7.49
